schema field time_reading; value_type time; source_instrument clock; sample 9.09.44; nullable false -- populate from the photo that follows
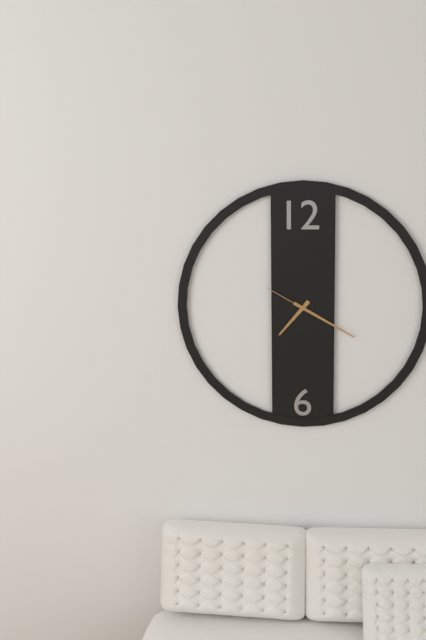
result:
7.20.50
